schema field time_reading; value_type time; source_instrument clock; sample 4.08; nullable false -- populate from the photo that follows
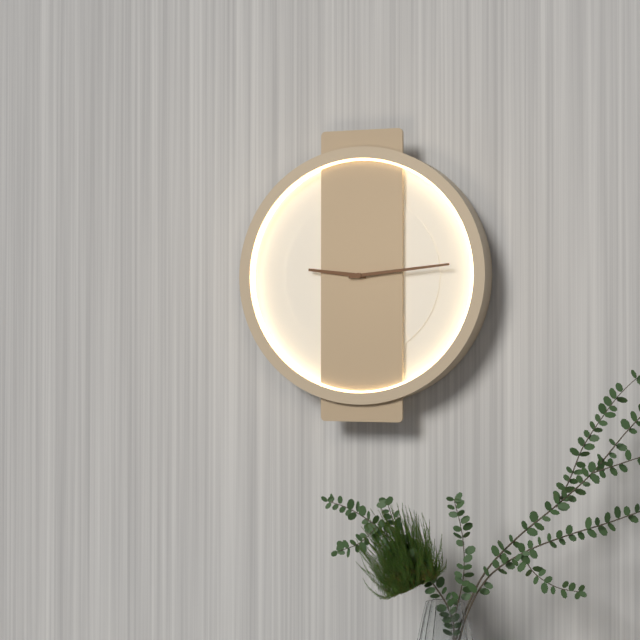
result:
9.14
